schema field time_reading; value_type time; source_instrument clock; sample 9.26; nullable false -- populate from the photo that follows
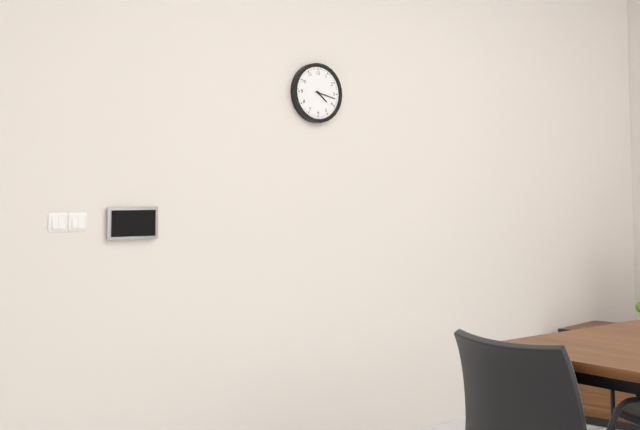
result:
4.17
